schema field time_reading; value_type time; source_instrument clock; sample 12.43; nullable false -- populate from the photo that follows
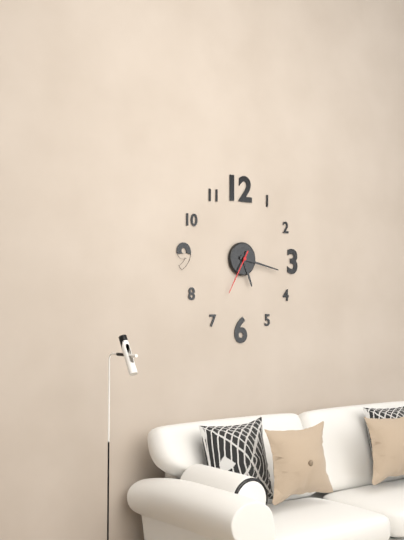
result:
5.17
